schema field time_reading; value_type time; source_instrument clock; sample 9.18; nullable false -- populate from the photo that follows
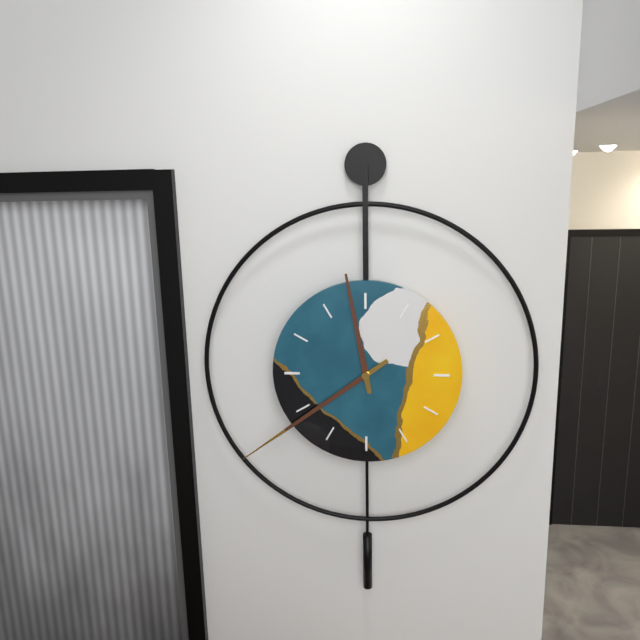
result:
11.39
